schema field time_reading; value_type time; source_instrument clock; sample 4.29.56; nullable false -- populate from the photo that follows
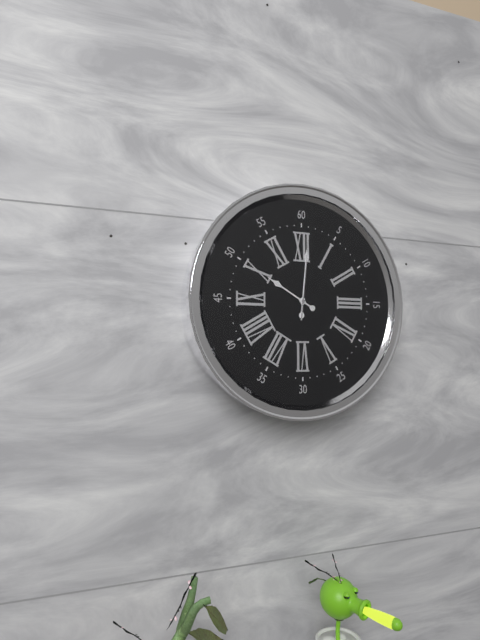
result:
10.01.01
